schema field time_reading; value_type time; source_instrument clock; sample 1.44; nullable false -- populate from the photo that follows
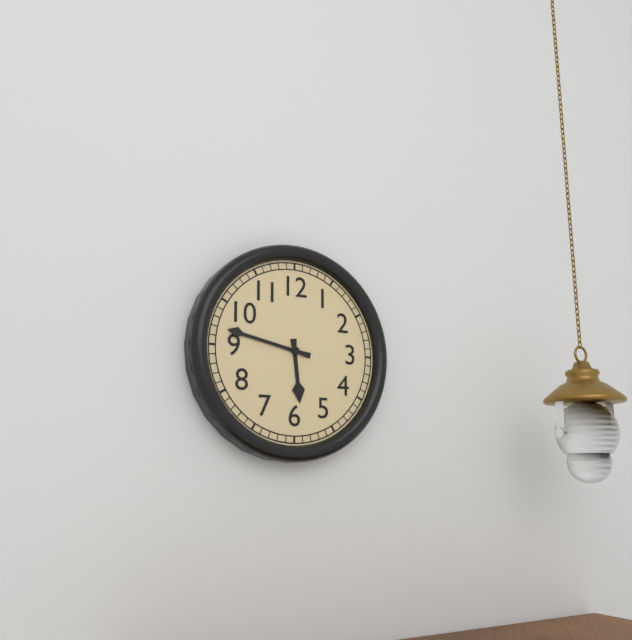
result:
5.47
